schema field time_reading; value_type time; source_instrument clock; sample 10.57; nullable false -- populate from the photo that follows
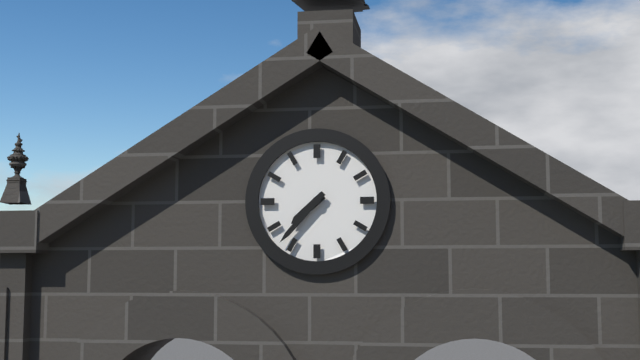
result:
7.37
